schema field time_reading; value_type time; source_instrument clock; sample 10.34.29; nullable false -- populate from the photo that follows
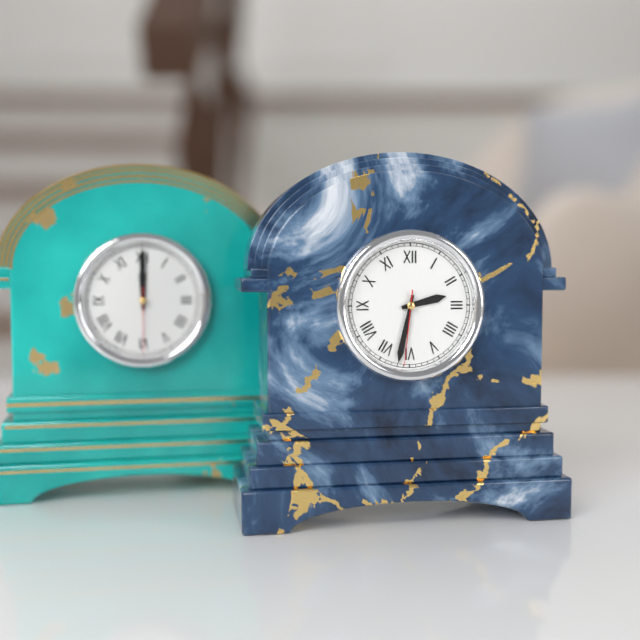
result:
2.32.31
